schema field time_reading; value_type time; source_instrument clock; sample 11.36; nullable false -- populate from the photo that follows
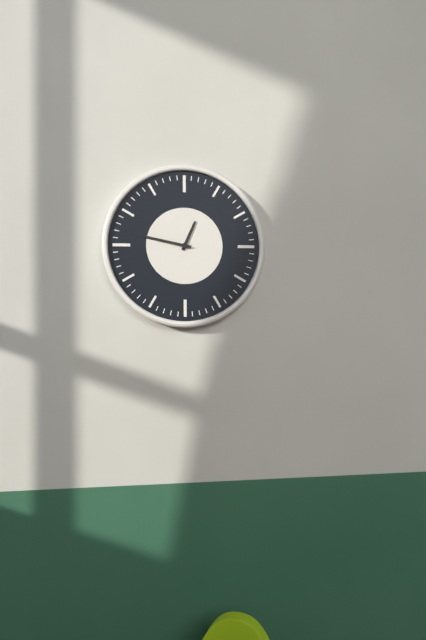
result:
12.47
